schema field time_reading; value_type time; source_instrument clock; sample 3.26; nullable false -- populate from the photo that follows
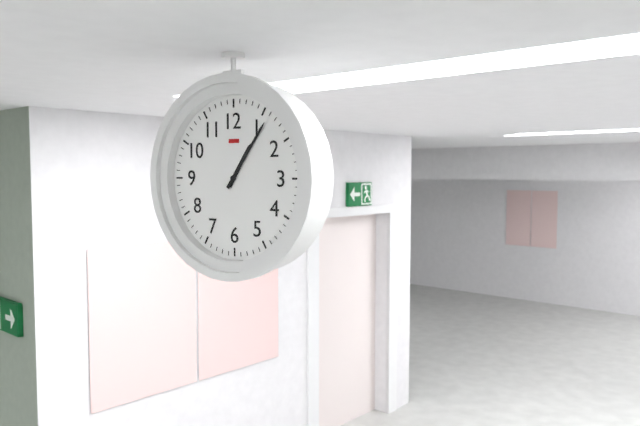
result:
1.06
